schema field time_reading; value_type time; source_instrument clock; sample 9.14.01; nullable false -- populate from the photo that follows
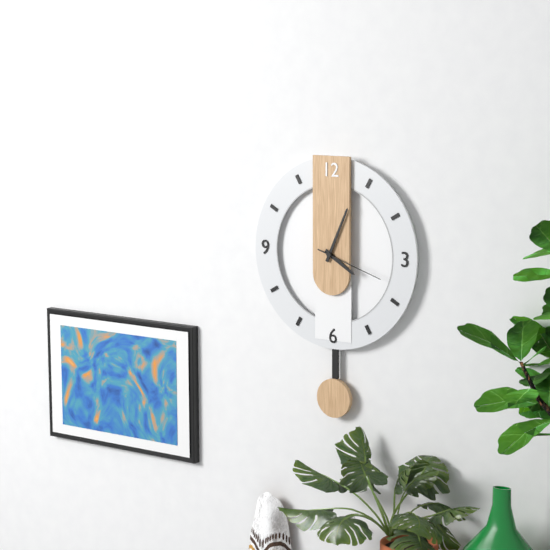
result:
4.04.18
